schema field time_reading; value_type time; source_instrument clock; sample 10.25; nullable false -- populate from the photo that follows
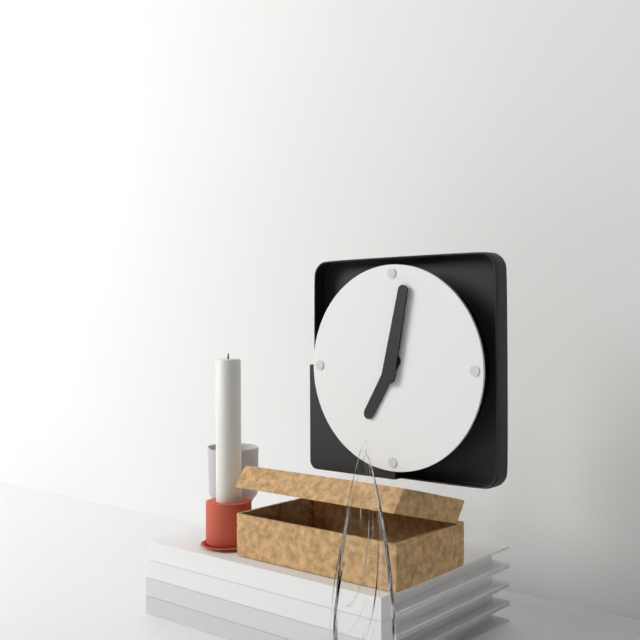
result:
7.02
